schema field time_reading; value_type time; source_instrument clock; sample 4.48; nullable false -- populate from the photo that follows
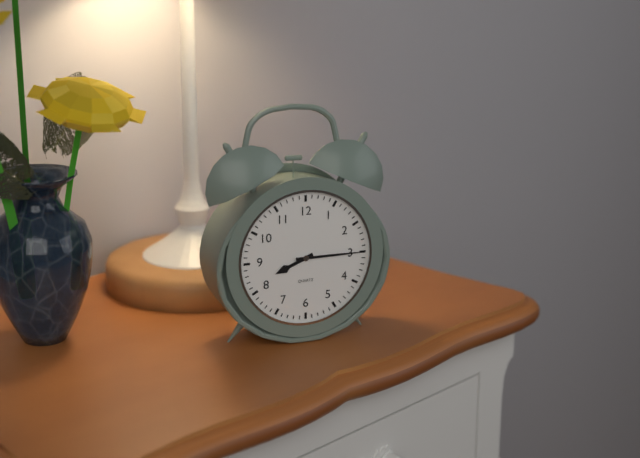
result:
8.15
